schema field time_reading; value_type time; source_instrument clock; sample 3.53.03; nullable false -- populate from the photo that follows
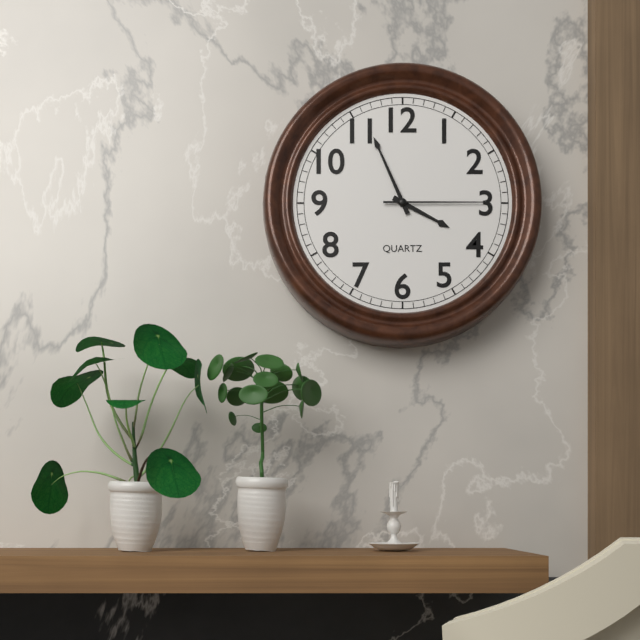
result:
3.56.15
